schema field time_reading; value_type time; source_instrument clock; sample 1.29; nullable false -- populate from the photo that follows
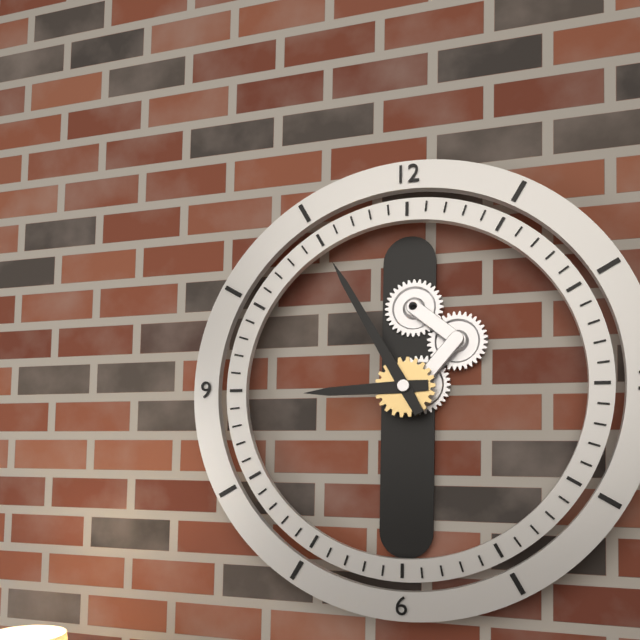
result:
8.55
